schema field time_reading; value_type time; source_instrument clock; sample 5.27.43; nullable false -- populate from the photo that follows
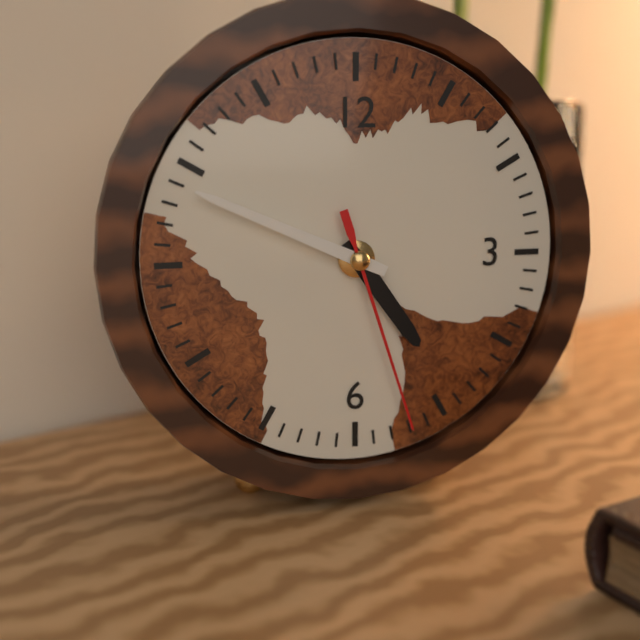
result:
4.49.27
